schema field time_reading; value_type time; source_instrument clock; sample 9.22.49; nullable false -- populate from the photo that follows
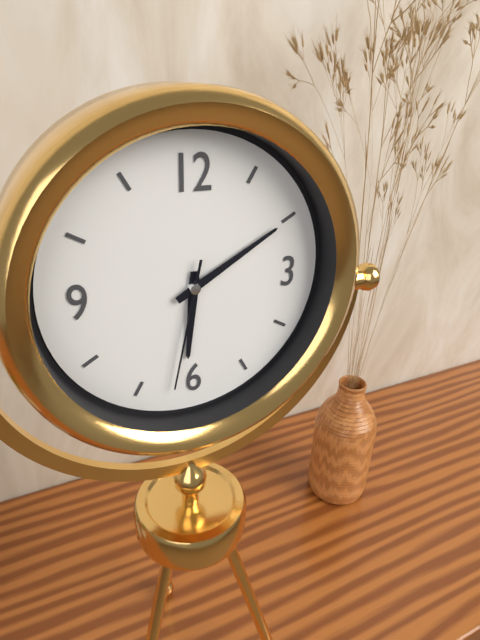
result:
6.10.32
